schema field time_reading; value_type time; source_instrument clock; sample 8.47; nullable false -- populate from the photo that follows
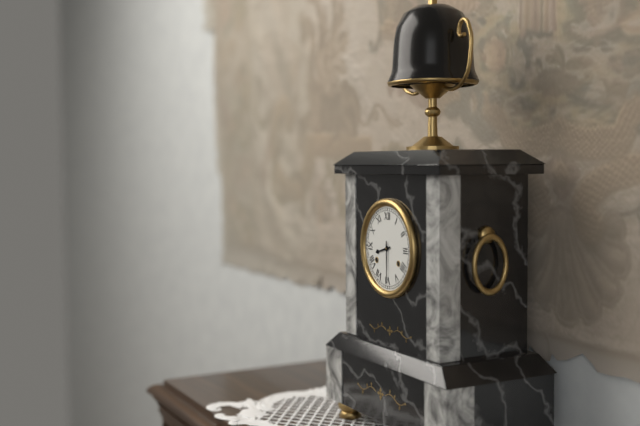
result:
8.30
